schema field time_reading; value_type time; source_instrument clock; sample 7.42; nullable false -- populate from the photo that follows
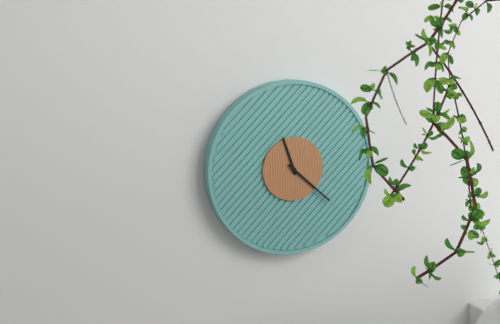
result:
11.22
